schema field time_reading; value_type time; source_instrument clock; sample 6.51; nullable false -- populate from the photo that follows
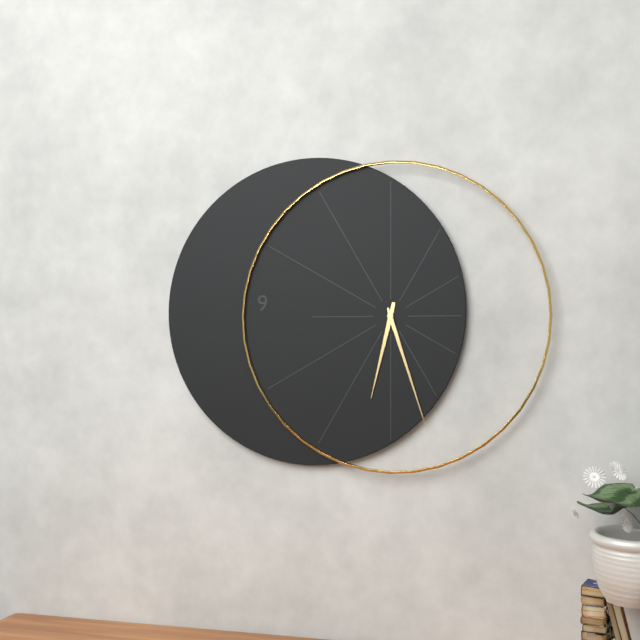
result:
6.27
